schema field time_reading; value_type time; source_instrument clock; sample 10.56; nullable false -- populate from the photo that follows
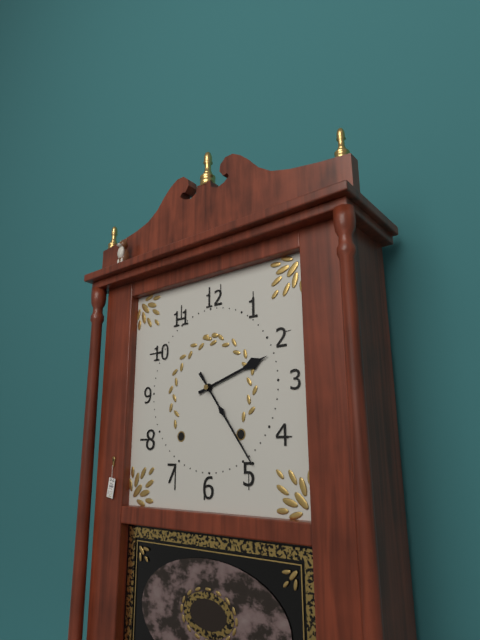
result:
2.24
